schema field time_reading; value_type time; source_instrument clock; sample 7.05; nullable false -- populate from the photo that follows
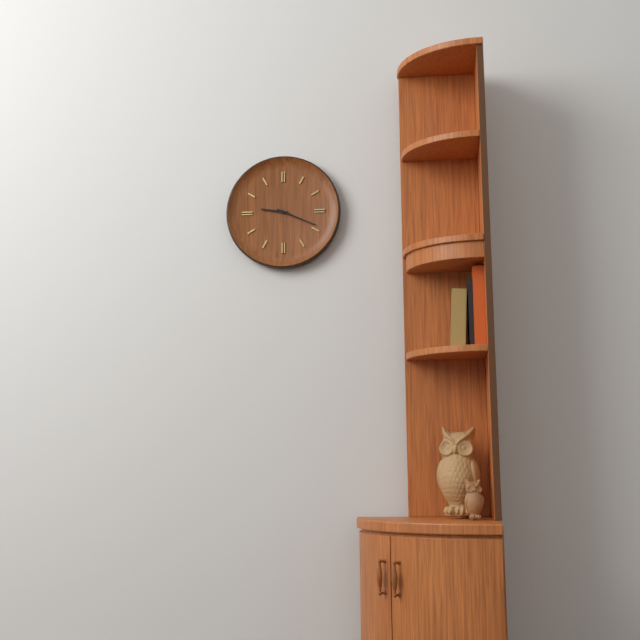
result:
9.19
